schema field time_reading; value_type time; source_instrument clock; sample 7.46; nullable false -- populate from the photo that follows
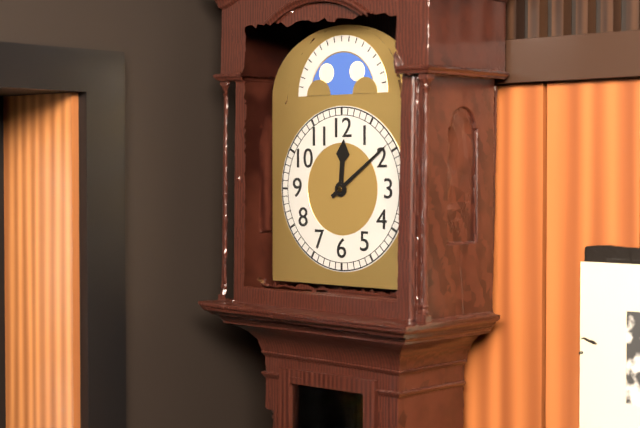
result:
12.09
